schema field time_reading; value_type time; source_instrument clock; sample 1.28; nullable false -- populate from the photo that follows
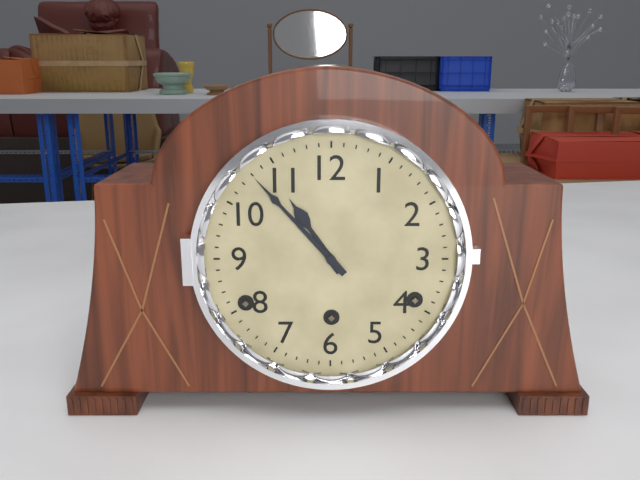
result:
10.53
